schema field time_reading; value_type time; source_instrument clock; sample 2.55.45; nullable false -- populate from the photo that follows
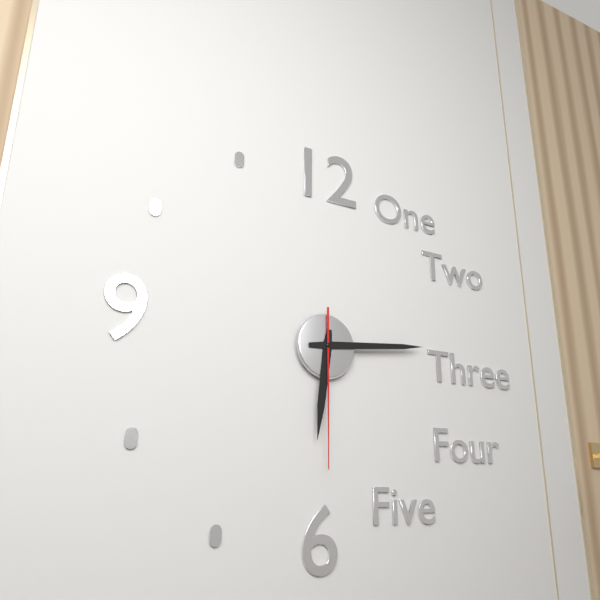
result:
6.14.30
